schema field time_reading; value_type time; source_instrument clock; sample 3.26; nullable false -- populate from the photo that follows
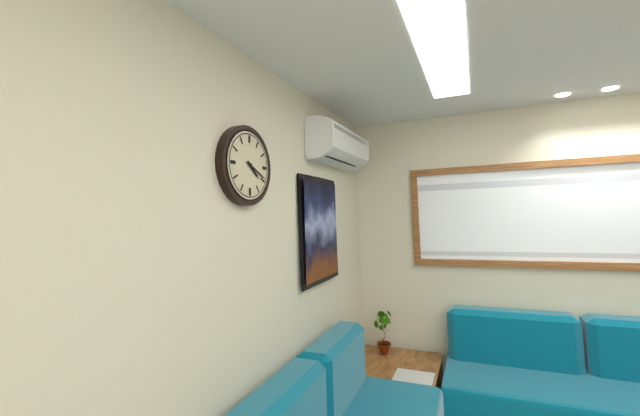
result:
4.19
